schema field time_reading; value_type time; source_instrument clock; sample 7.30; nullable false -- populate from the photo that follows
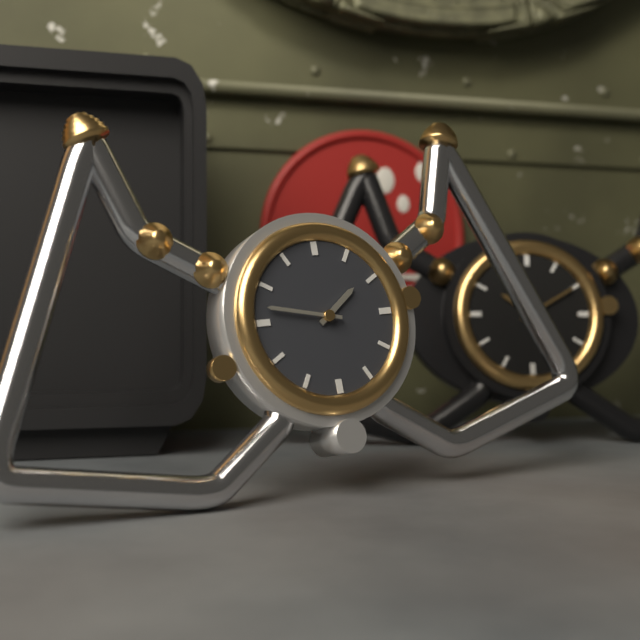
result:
1.47
